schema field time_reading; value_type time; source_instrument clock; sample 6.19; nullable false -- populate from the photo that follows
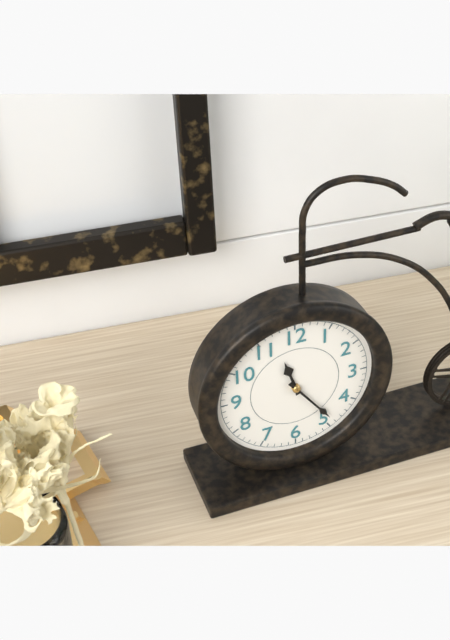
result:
11.24
